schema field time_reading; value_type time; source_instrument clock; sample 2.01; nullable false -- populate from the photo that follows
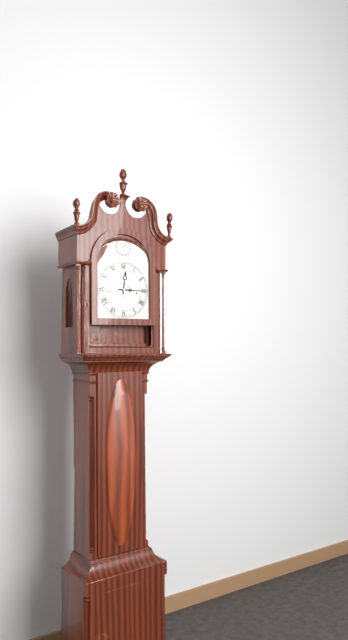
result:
12.15
